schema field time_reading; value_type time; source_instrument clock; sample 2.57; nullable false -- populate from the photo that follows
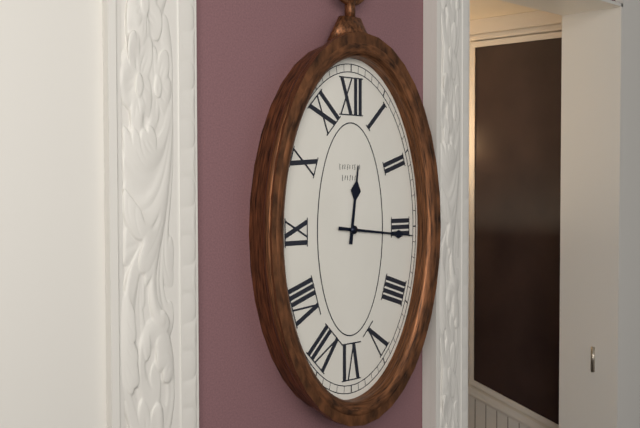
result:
12.16
